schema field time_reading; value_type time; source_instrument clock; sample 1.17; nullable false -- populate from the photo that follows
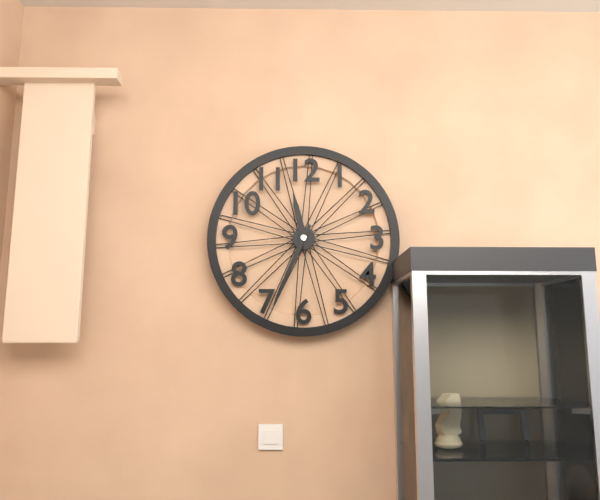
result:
11.34
